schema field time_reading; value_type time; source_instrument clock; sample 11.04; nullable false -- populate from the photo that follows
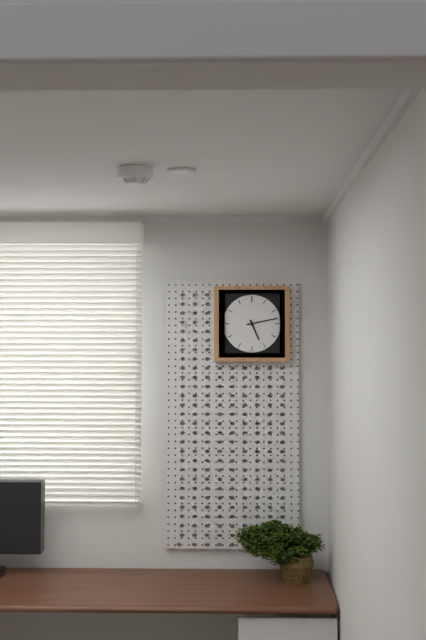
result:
5.13
